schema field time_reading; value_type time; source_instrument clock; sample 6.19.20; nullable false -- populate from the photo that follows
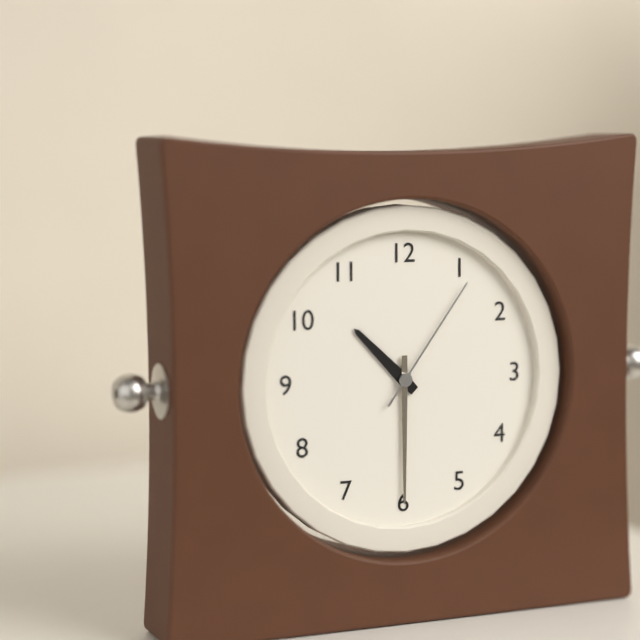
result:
10.30.06
